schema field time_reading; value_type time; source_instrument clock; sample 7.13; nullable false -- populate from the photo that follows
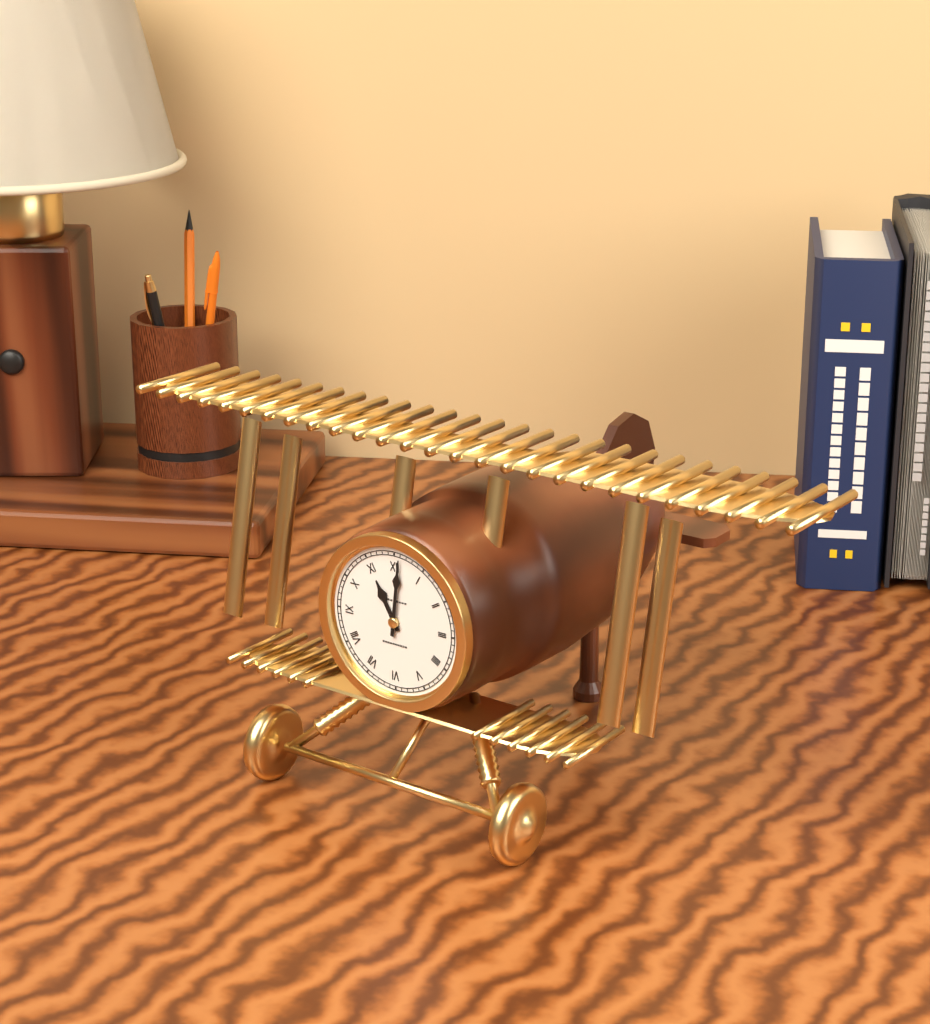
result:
11.01
